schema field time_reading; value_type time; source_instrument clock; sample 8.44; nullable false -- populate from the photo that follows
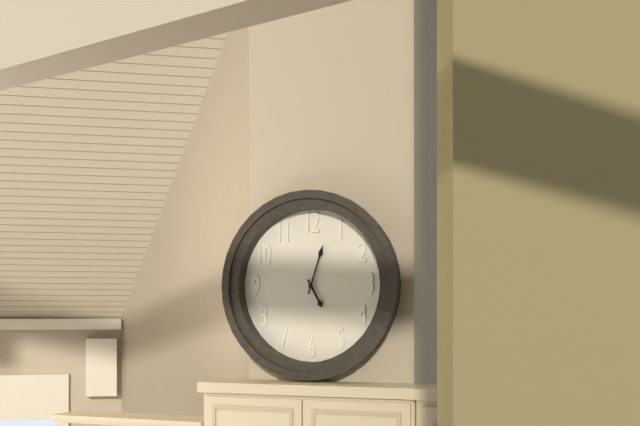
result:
5.03
